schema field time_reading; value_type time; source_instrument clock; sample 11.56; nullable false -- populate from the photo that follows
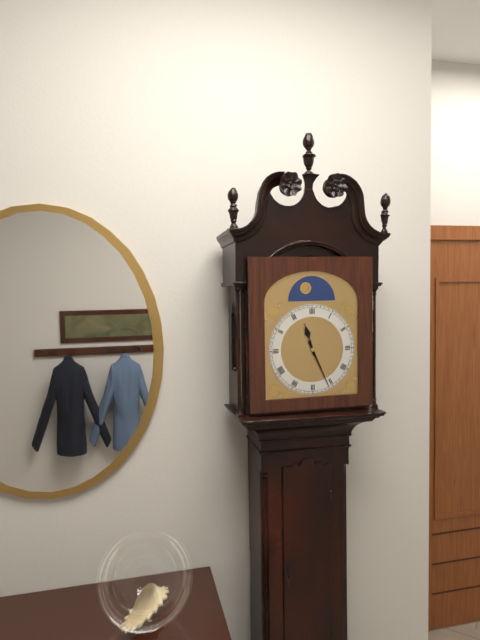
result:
11.26
